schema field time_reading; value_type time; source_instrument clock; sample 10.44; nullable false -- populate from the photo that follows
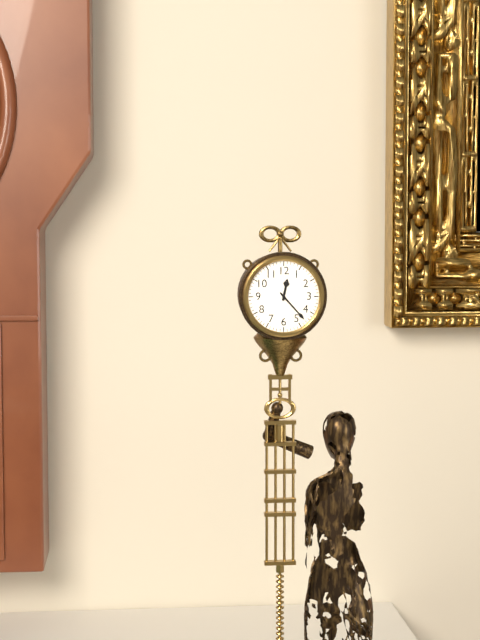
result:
12.23
